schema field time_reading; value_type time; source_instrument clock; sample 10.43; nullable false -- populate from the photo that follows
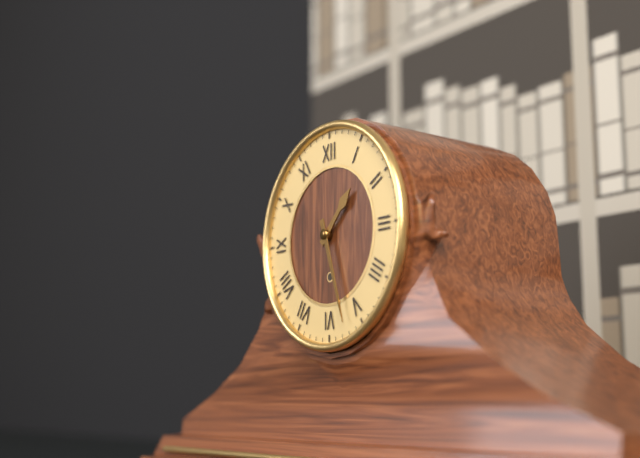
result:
1.27
